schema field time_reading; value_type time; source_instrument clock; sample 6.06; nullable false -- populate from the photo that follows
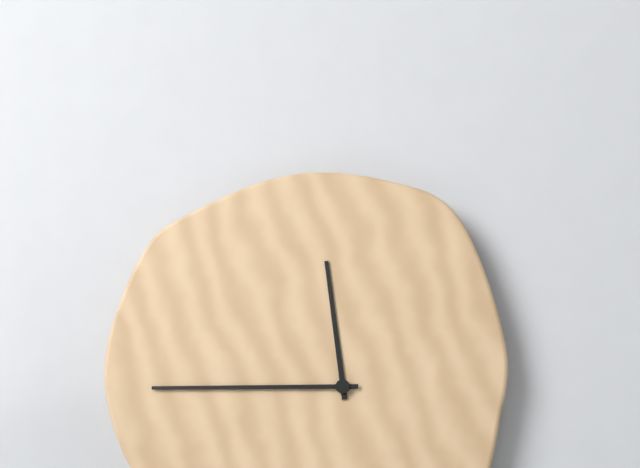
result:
11.45
